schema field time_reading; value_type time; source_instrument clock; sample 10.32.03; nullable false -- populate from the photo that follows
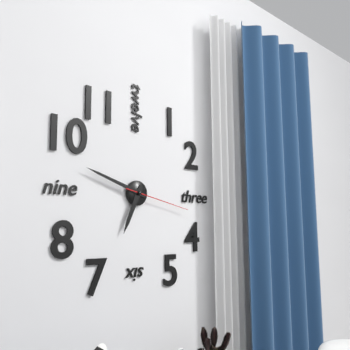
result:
6.48.17
